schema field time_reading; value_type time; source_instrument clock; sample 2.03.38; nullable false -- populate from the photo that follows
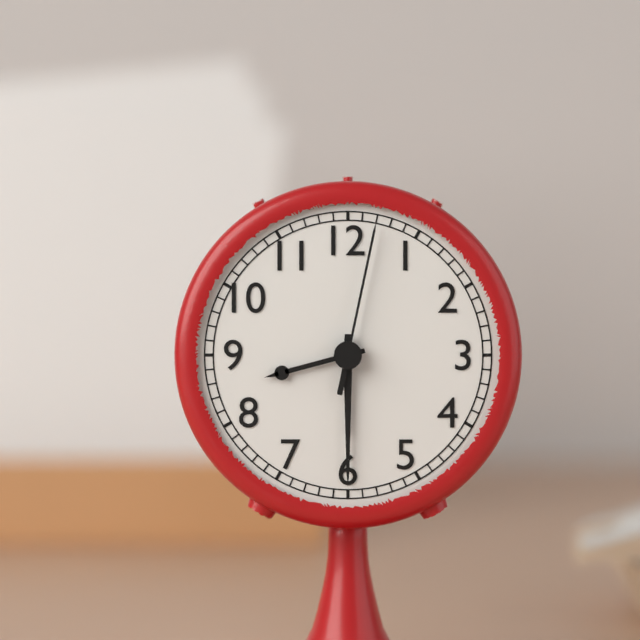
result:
8.30.02
